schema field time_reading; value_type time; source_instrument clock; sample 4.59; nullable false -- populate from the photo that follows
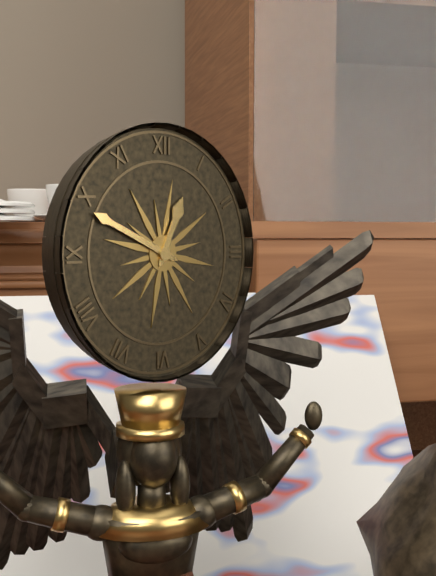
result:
12.49
